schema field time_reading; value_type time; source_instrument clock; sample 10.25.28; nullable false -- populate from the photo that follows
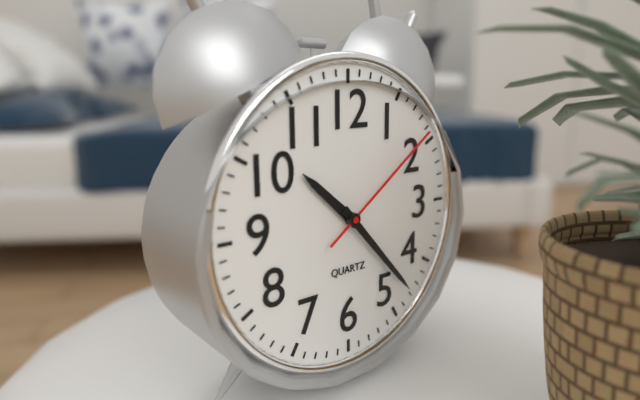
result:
10.23.09
